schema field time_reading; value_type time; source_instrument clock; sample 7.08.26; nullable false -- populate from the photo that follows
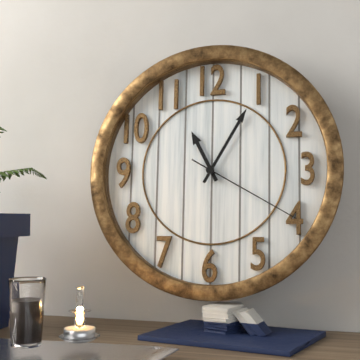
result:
11.05.20
